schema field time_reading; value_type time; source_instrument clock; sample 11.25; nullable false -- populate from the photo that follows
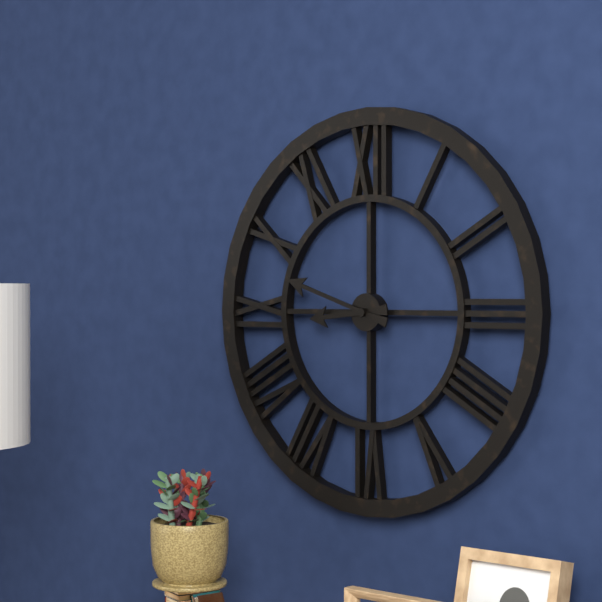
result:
8.48
